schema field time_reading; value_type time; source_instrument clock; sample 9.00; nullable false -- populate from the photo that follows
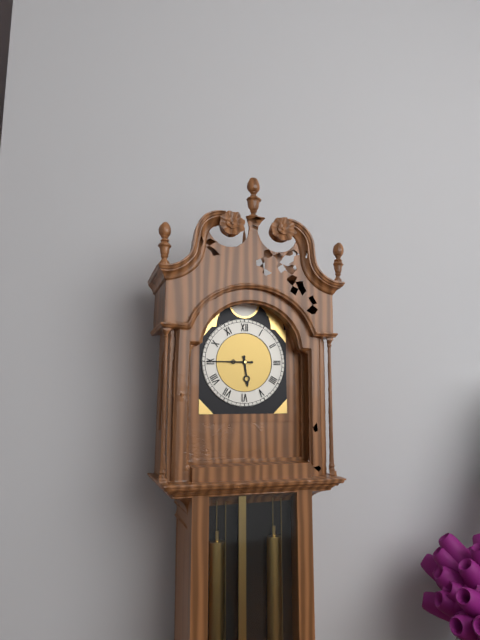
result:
5.45
